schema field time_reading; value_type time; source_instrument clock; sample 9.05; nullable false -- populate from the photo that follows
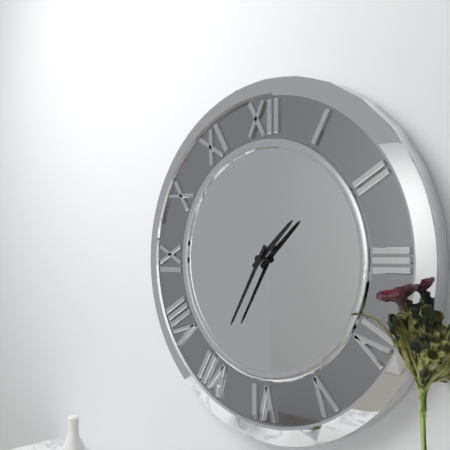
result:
1.35
